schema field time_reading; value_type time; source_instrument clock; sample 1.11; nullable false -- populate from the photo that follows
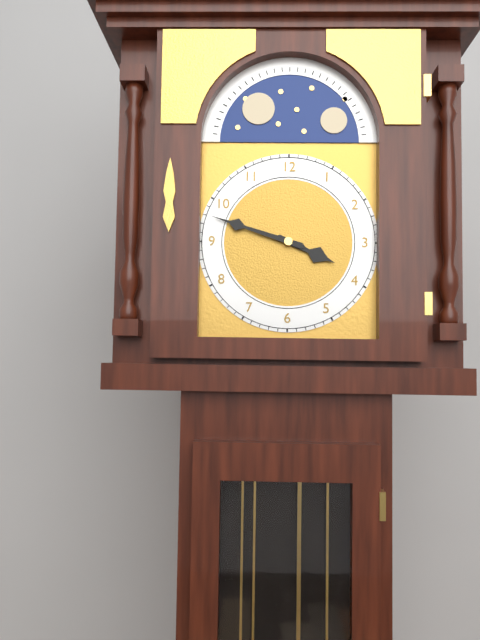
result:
3.48
